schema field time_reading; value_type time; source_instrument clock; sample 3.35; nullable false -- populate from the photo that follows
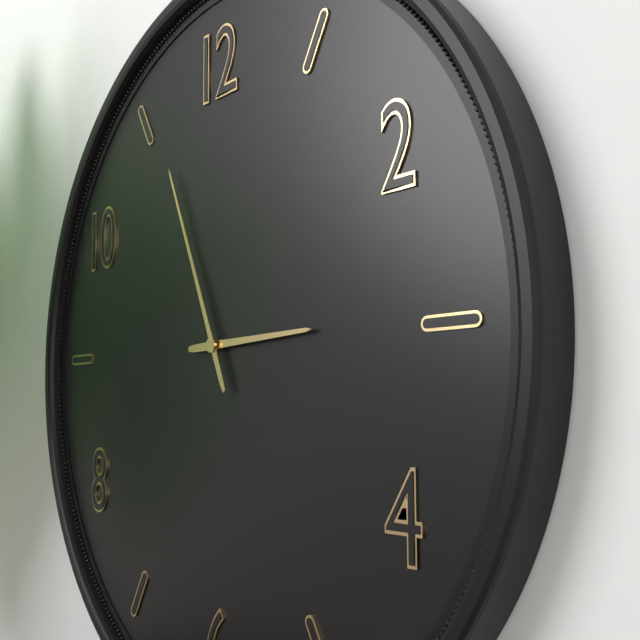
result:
2.56
